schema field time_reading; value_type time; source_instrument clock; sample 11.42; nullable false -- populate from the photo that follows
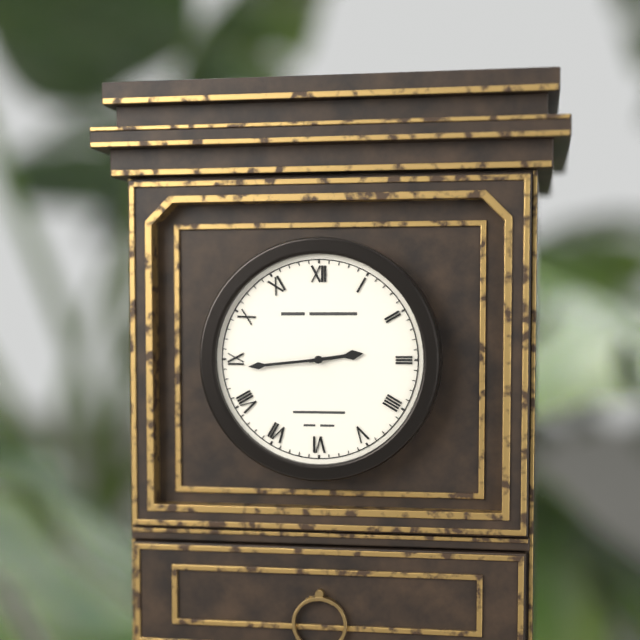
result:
2.44
